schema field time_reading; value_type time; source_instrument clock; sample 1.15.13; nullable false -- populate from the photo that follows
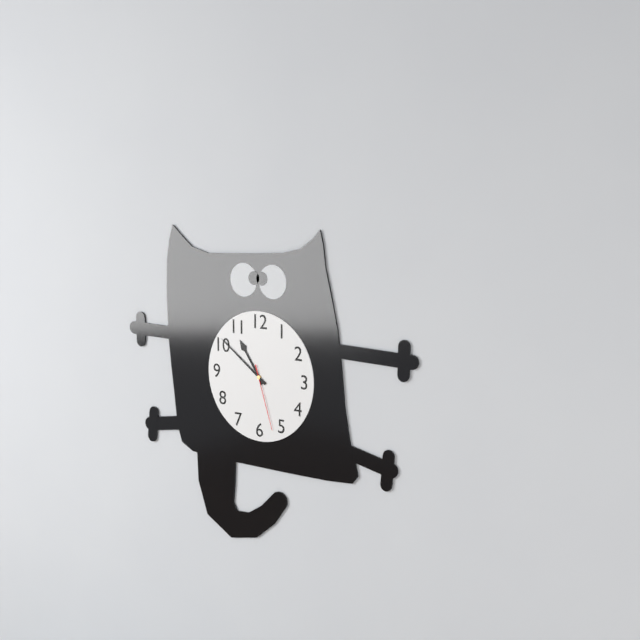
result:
10.51.27
